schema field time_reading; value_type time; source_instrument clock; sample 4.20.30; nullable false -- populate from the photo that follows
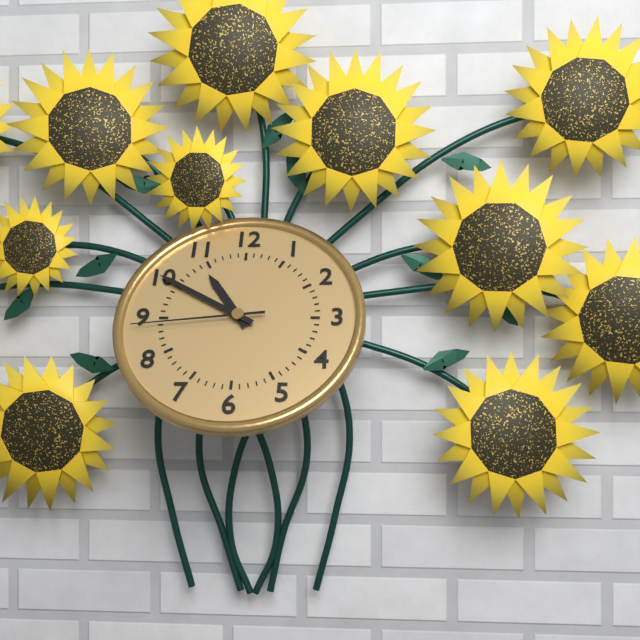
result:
10.50.44
